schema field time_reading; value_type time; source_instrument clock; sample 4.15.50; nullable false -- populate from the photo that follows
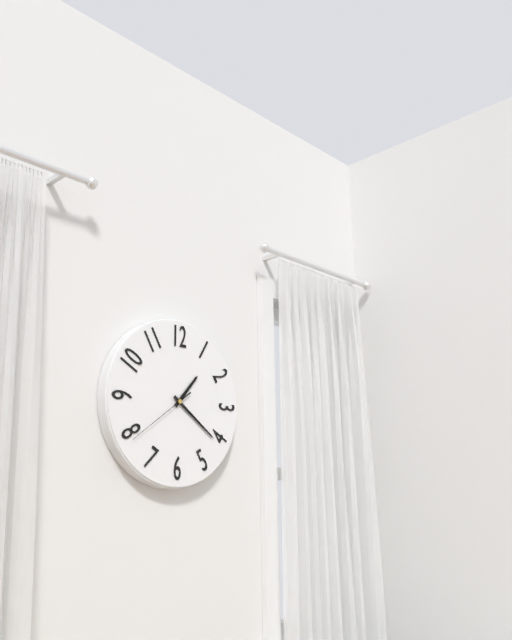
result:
1.21.39
